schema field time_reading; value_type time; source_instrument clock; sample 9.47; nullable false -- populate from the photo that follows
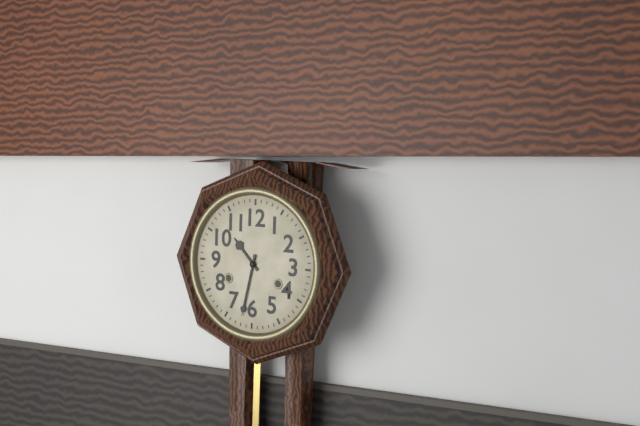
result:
10.32
